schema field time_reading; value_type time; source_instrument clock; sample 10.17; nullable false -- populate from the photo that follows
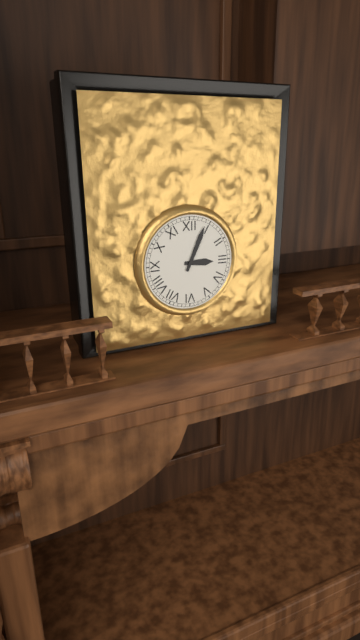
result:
3.04
